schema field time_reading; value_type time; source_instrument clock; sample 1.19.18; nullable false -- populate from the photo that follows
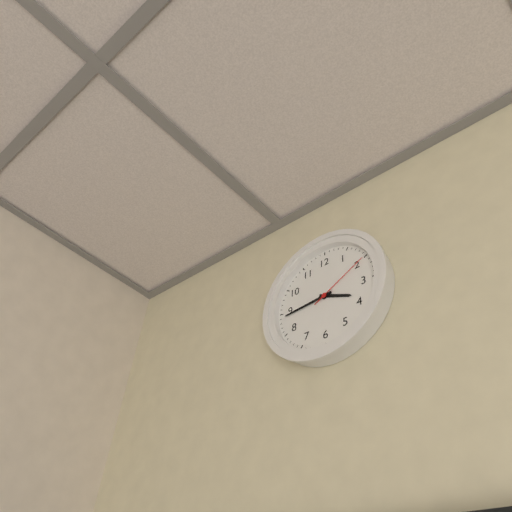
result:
3.44.10
